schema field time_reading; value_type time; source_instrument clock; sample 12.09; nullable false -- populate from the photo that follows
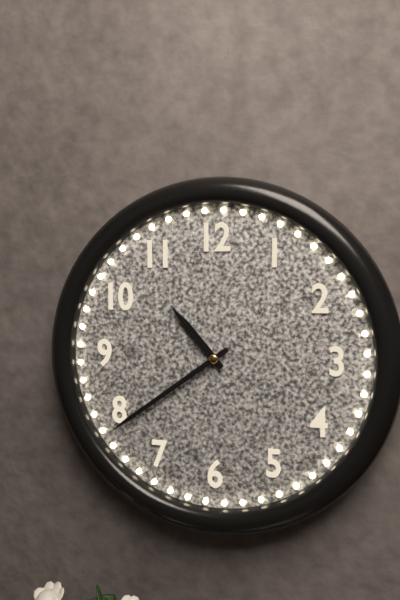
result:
10.39
